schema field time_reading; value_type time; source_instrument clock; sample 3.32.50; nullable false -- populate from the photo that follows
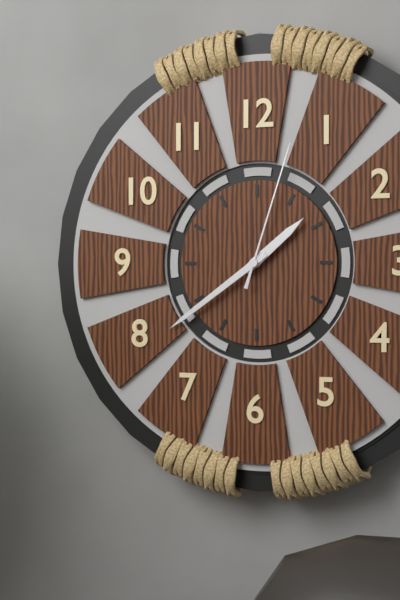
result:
1.39.03
